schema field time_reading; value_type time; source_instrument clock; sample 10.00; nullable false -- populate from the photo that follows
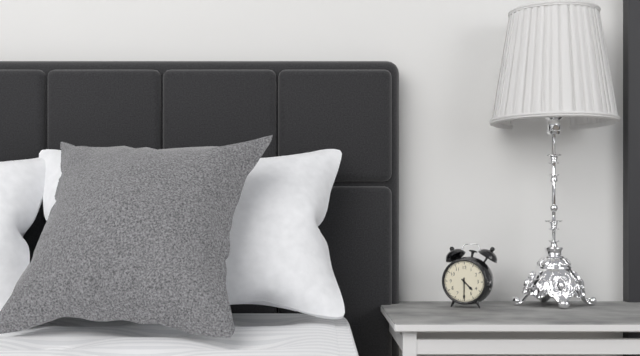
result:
4.30
